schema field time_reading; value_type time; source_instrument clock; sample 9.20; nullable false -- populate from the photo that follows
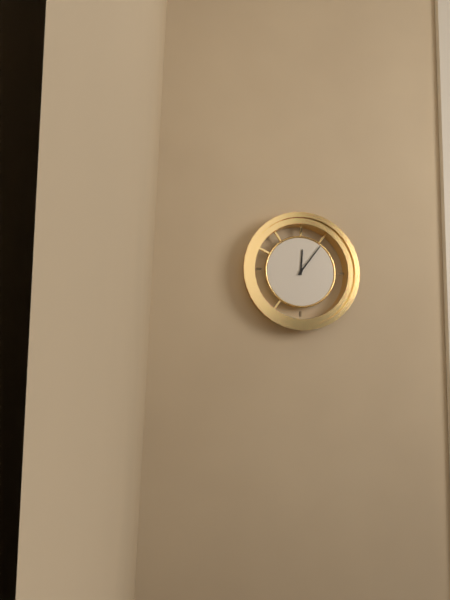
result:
12.06
